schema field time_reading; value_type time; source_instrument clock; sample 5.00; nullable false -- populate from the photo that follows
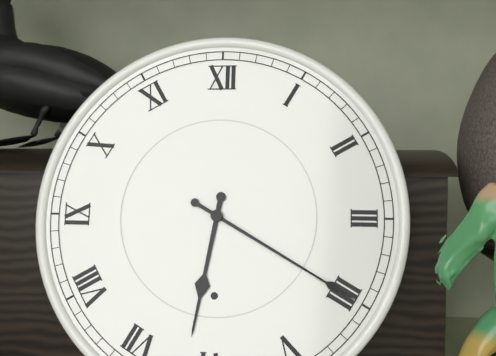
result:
6.20
